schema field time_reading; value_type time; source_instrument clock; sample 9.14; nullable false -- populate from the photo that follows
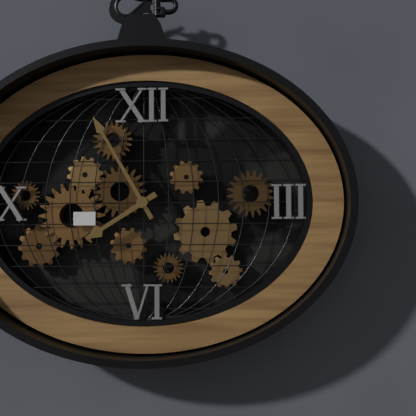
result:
7.55
